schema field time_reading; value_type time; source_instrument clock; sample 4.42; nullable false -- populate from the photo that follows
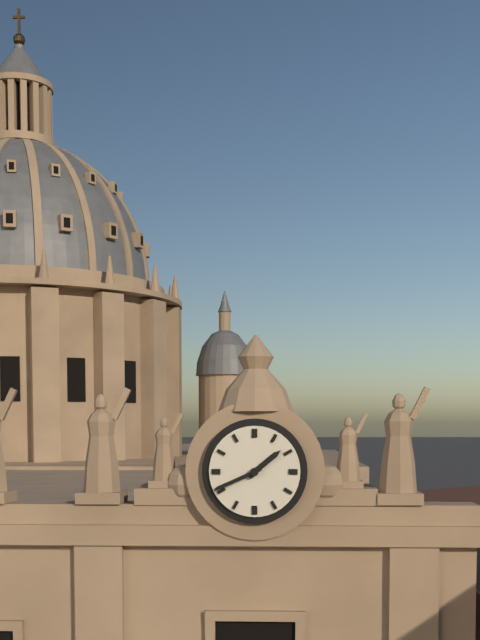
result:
1.41
